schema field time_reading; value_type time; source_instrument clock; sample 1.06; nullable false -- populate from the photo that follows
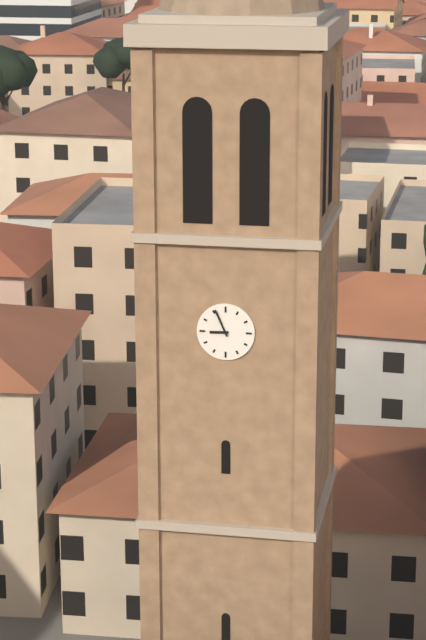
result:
8.56
